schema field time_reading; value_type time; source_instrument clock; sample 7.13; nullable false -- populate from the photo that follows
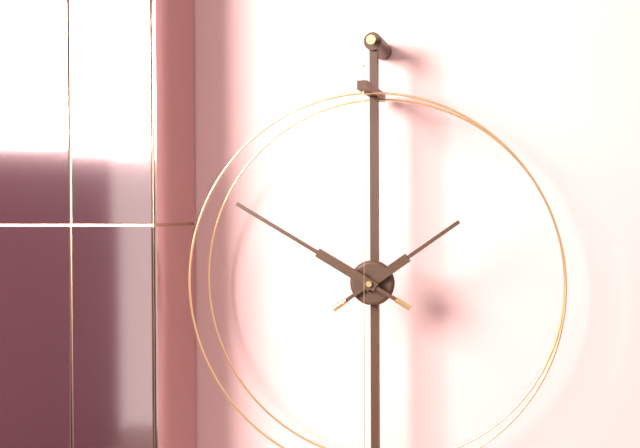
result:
1.50
